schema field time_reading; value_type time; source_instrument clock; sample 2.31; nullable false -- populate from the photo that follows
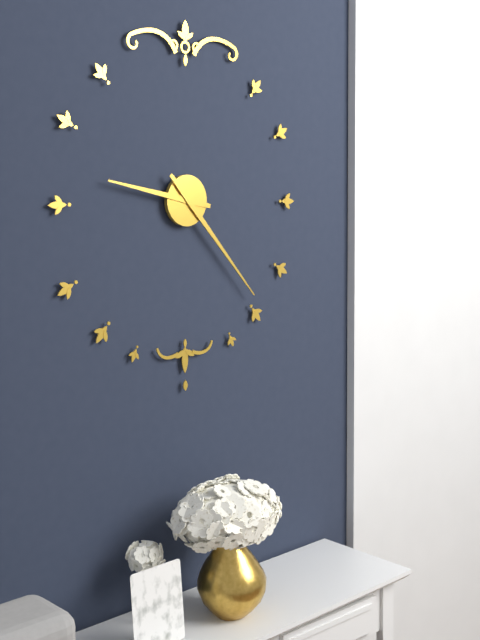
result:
9.23
